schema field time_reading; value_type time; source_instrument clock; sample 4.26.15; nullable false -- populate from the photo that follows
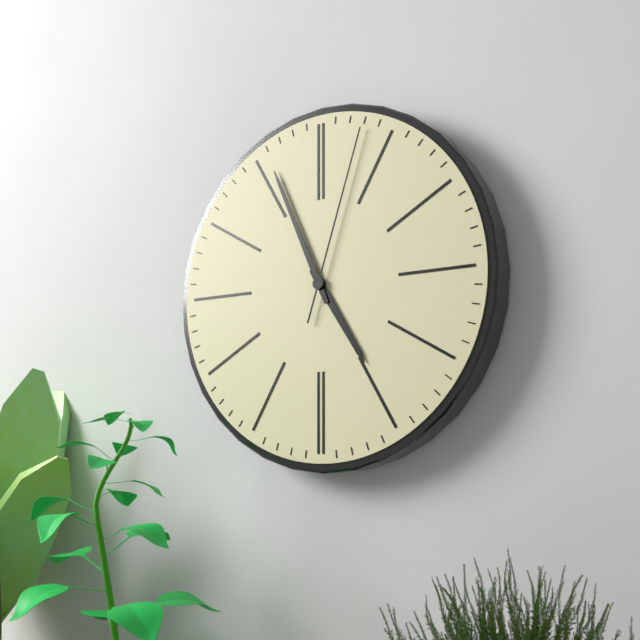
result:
4.56.03
